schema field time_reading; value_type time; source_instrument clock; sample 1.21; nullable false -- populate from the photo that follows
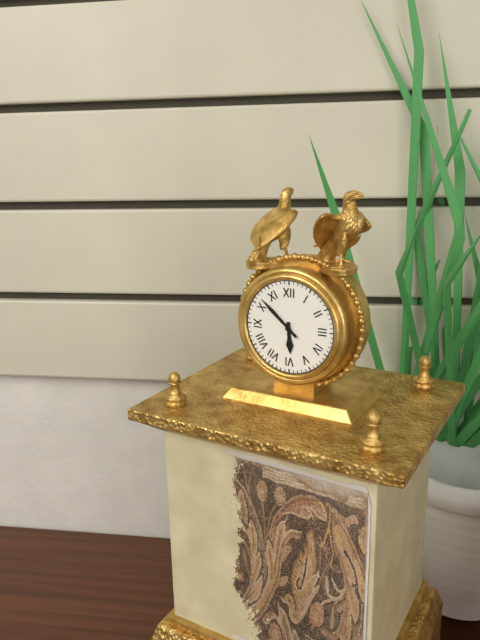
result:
5.52
